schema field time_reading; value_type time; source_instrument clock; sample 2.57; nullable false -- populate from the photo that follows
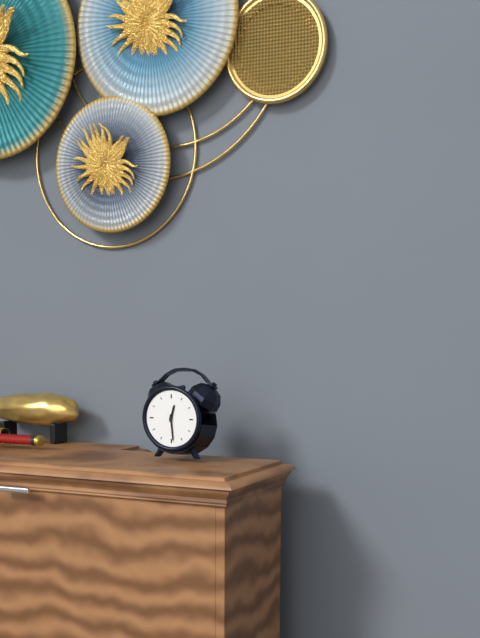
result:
12.29
